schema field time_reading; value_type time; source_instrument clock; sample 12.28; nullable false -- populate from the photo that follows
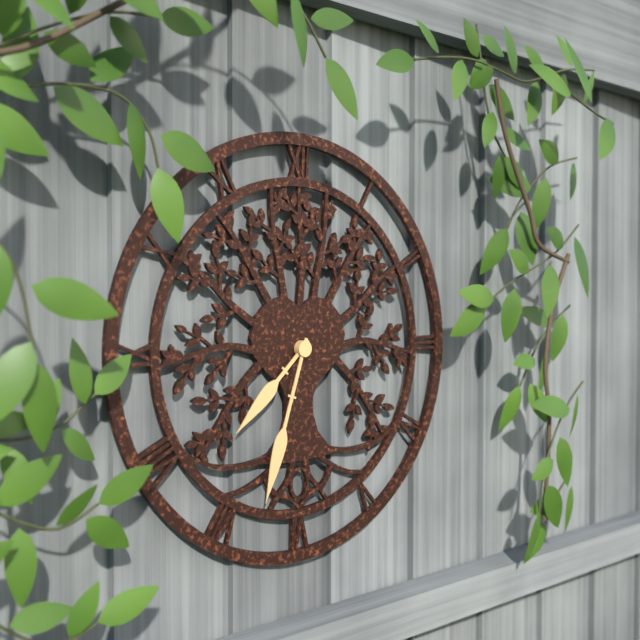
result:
7.33
